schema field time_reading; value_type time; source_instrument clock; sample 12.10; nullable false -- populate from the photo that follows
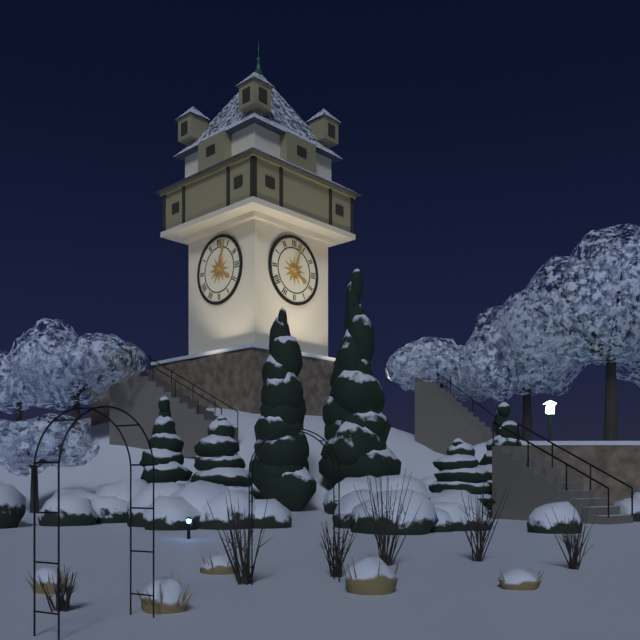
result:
4.03
